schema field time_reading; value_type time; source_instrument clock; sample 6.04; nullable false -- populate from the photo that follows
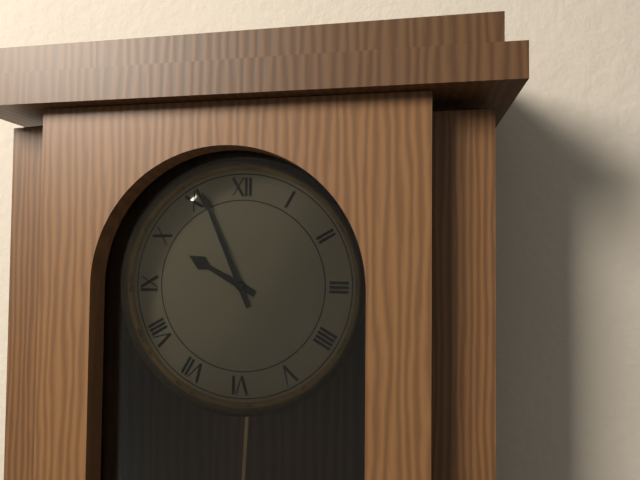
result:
9.56
